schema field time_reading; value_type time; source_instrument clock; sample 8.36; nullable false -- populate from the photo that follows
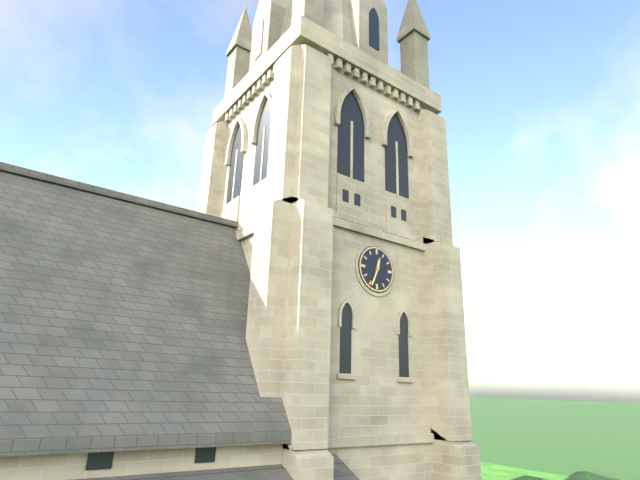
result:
12.34
